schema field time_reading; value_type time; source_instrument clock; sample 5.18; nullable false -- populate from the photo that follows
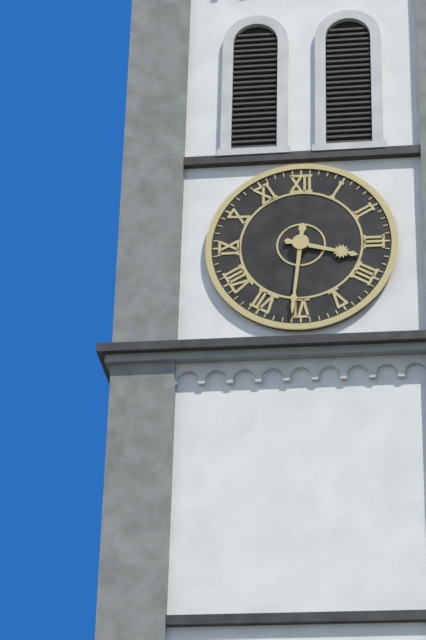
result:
3.31
